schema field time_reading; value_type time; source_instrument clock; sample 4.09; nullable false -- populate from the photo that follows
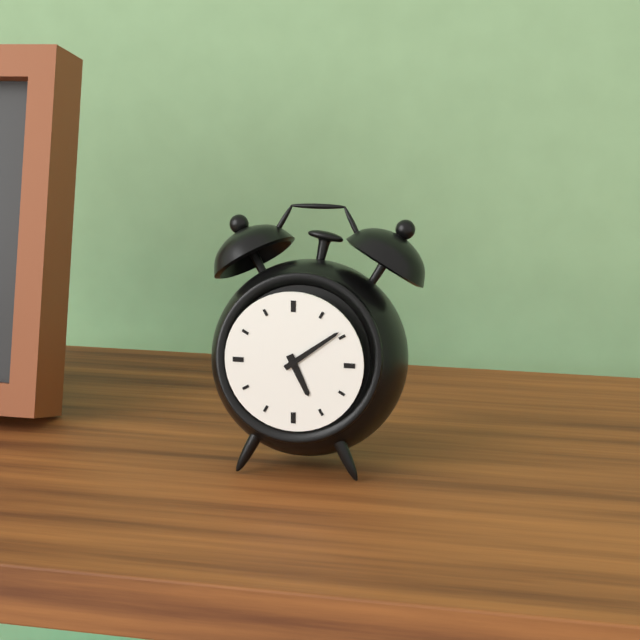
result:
5.09
